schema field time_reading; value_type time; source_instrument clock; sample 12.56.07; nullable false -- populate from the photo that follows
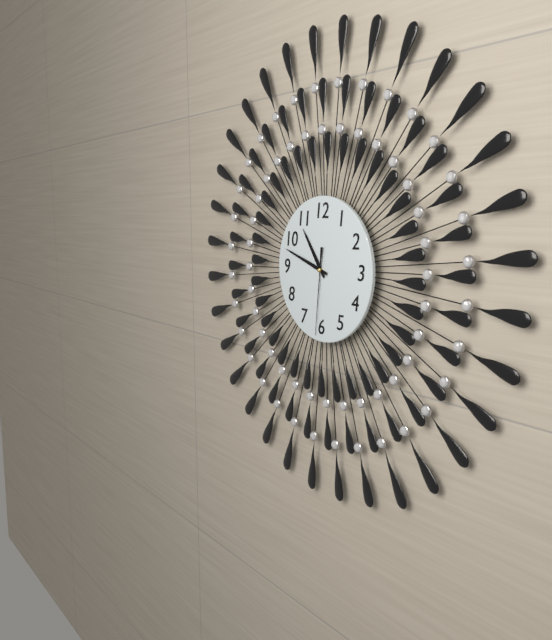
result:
10.48.31
